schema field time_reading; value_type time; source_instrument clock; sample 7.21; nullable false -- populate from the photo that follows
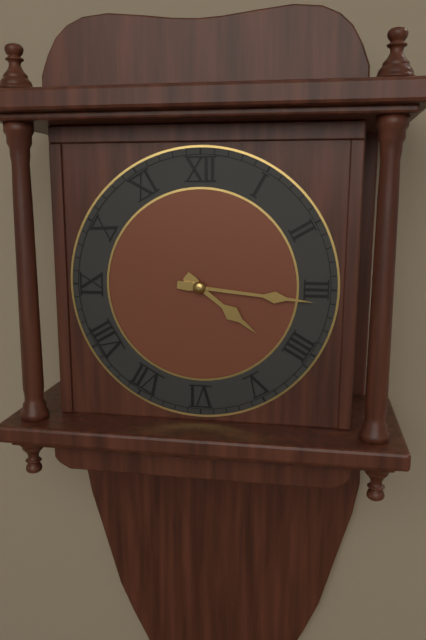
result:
4.16
